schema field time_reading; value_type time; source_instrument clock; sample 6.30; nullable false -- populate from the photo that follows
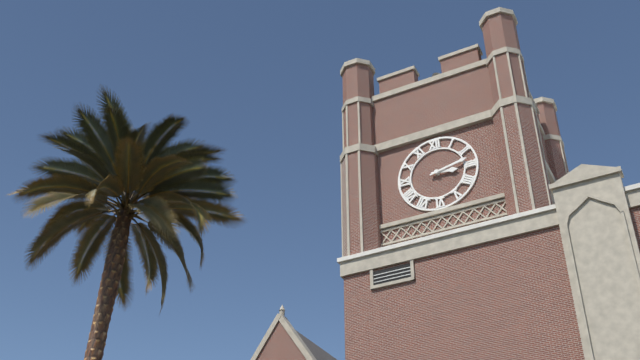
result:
3.13
